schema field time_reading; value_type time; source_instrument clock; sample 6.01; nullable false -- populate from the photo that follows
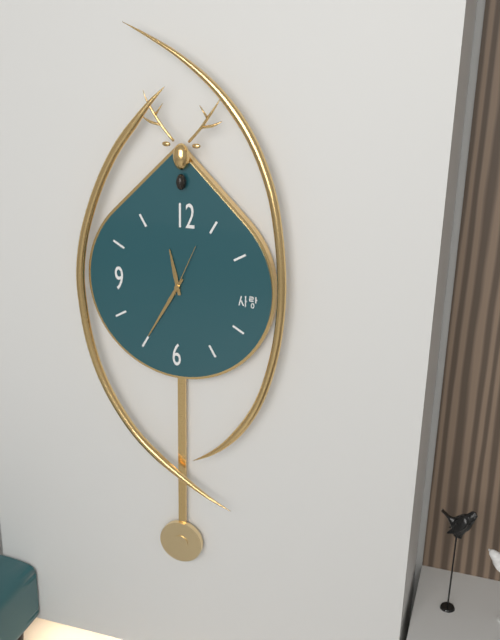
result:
11.35
